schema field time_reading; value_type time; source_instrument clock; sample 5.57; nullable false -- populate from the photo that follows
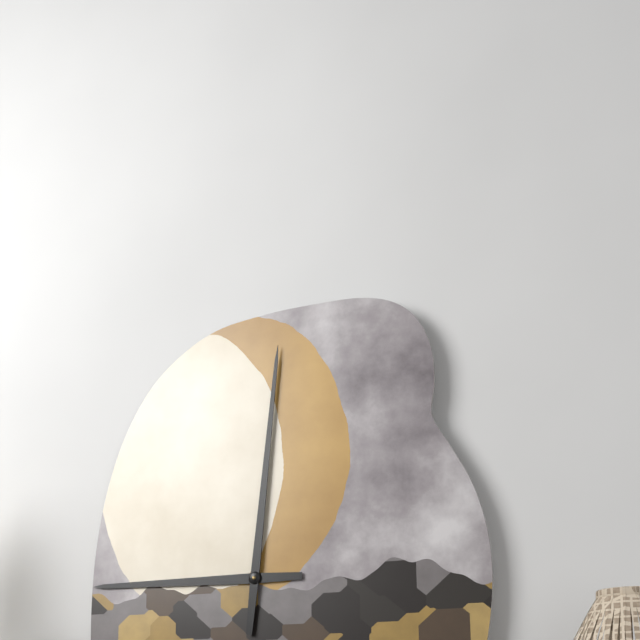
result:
9.01
